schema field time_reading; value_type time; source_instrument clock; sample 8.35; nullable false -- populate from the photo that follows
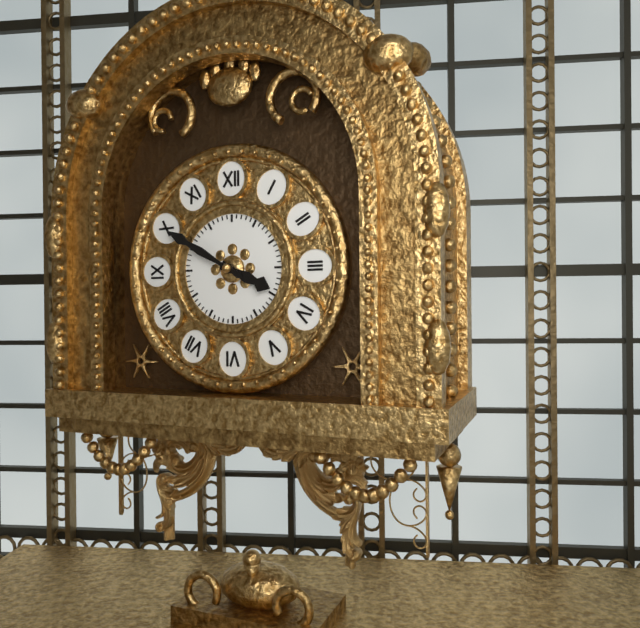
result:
3.50
